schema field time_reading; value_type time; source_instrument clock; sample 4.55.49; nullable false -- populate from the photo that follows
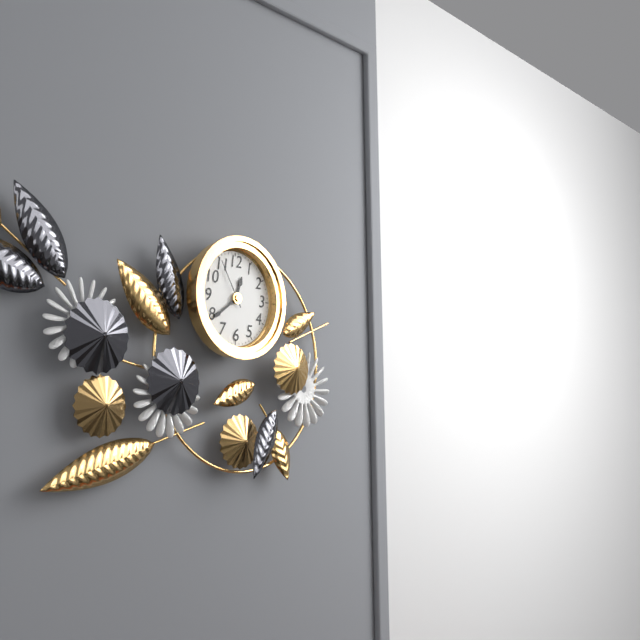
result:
12.39.55
